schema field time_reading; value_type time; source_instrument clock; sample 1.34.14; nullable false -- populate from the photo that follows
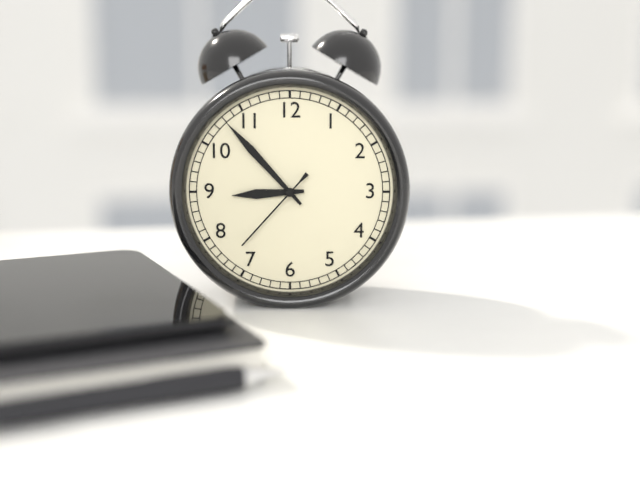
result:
8.53.37
